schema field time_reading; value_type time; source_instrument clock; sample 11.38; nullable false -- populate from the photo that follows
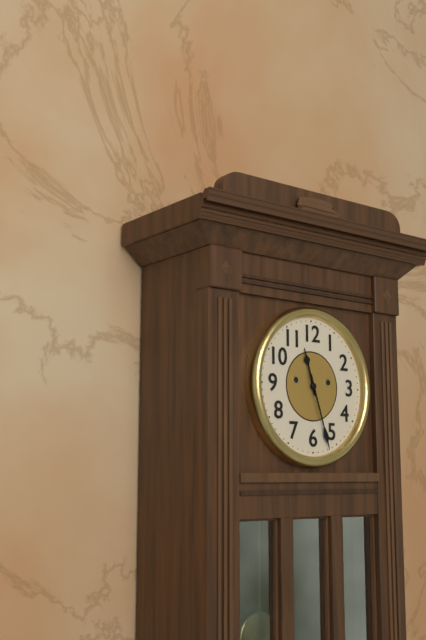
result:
11.27
